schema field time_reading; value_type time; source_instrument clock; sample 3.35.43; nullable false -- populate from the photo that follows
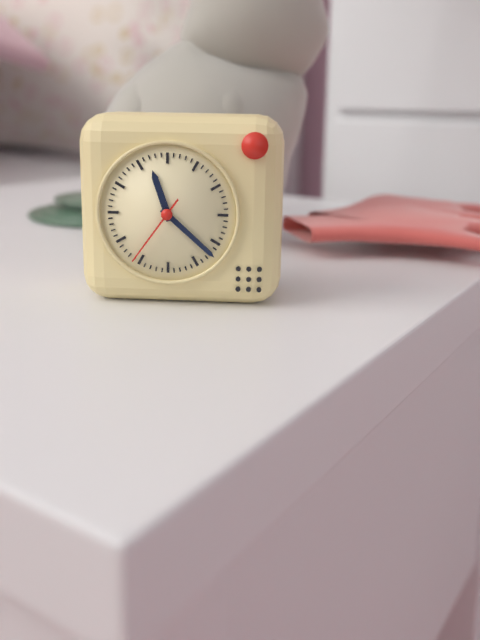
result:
11.22.36
